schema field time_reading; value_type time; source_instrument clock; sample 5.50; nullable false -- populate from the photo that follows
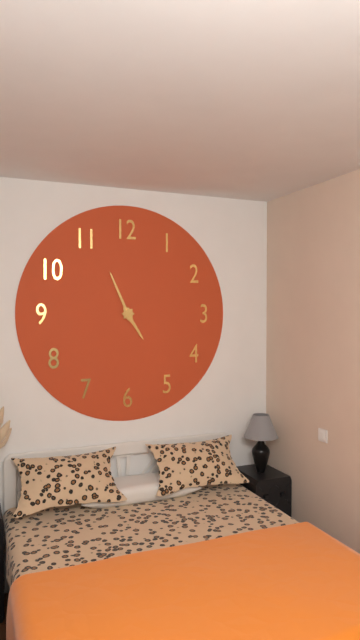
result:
4.56
